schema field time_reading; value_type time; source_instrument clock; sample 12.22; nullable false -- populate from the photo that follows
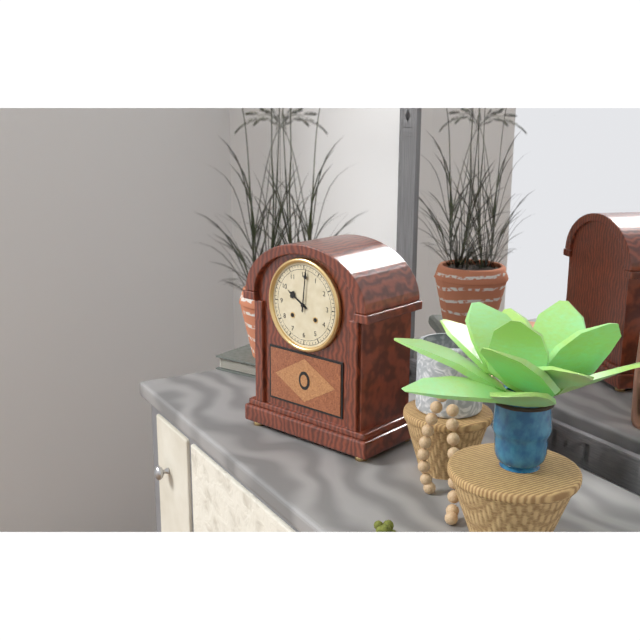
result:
10.01
